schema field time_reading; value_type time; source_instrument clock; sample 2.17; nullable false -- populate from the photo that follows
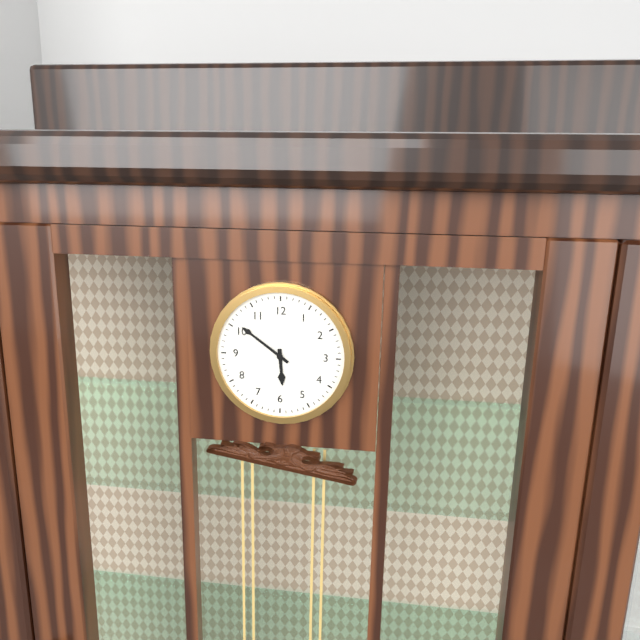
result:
5.51
